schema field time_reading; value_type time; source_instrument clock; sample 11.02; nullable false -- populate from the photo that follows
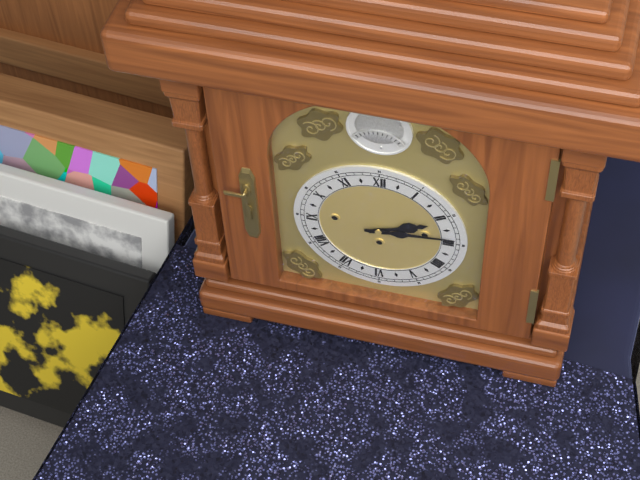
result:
2.14
